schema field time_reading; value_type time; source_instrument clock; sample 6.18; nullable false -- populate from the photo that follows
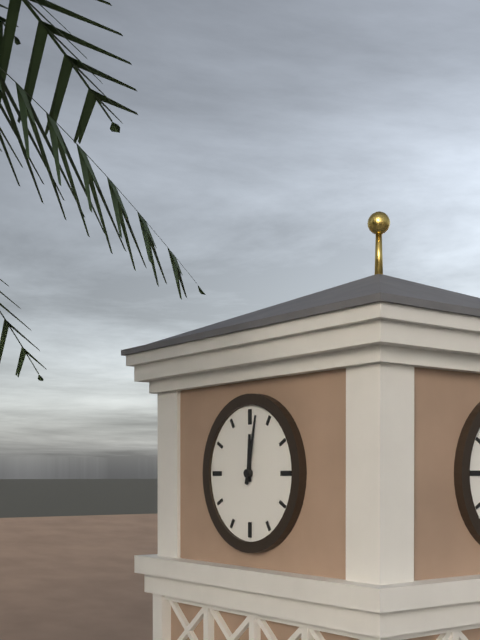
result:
12.02
